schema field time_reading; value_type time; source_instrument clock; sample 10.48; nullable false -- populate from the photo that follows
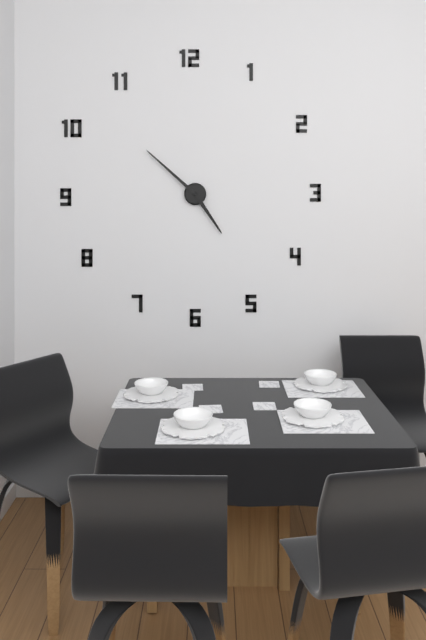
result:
4.52
